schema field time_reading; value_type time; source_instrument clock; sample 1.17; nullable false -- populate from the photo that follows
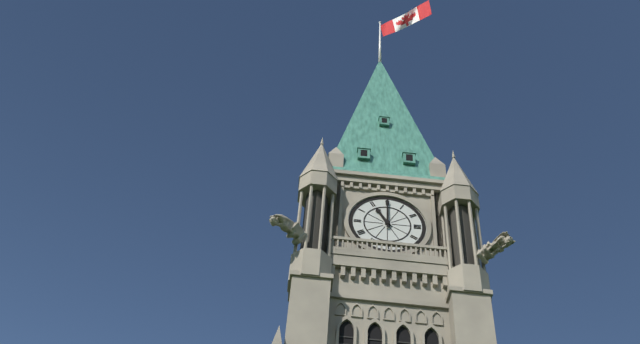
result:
11.00
